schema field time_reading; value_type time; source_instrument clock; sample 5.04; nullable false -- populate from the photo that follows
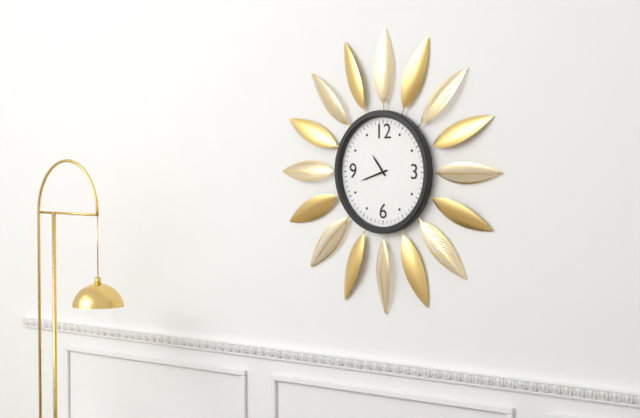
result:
10.42
